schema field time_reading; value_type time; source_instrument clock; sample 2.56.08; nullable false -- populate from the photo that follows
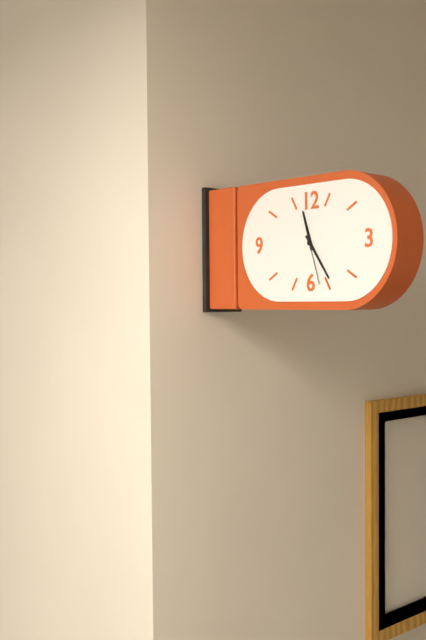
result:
11.24.27
